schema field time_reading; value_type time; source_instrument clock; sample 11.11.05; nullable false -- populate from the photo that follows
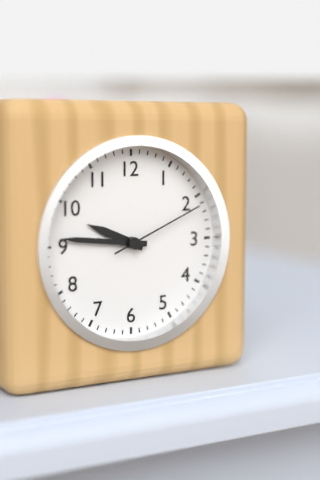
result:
9.46.11
